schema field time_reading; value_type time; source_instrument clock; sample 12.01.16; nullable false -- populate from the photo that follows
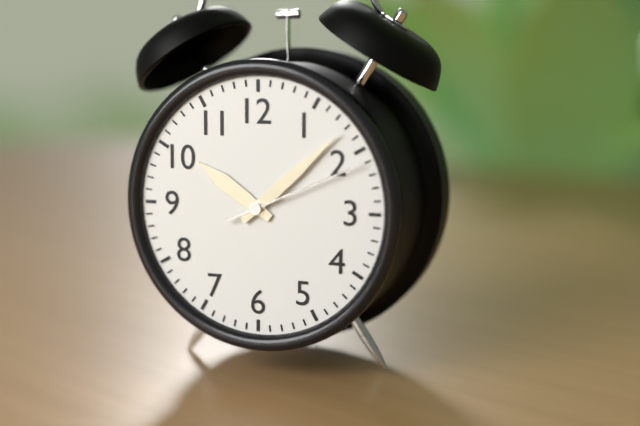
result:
10.08.11
